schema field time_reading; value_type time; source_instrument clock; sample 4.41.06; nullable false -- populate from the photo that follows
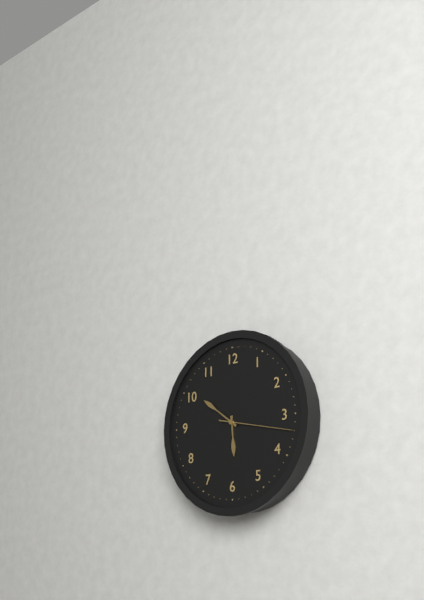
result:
5.51.17
